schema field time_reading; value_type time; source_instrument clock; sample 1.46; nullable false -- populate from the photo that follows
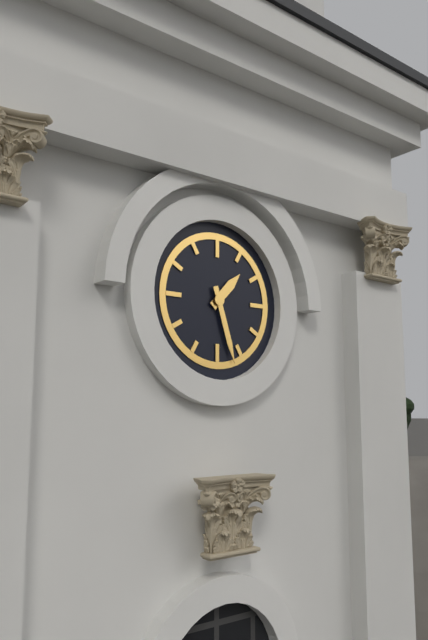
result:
1.27
